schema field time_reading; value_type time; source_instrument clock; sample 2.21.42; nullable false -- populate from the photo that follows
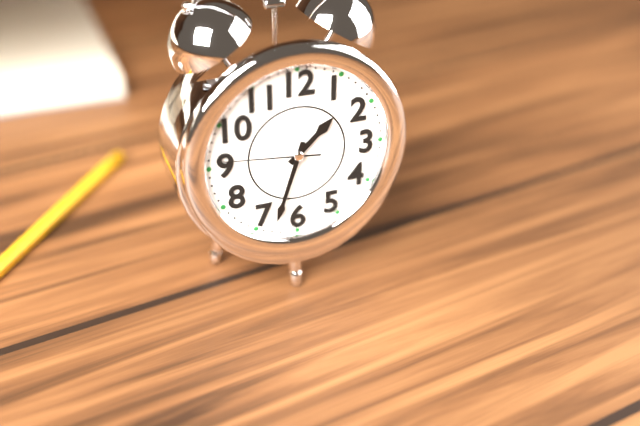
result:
1.33.46
